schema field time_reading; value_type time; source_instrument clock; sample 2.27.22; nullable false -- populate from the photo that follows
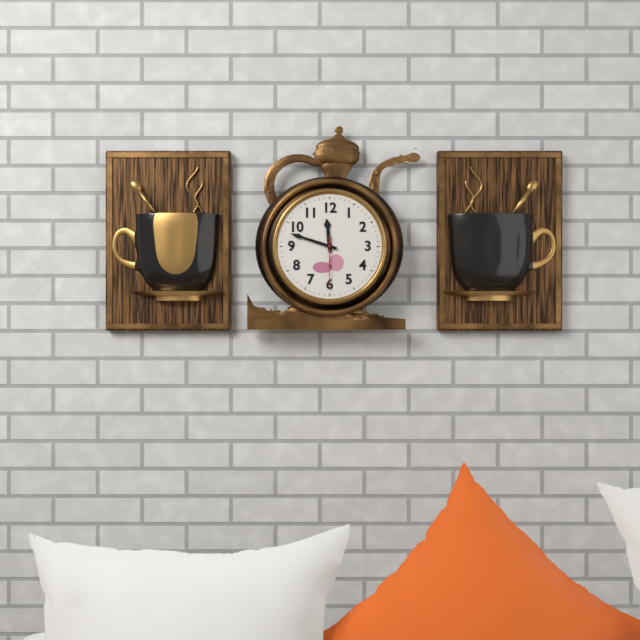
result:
11.48.30
